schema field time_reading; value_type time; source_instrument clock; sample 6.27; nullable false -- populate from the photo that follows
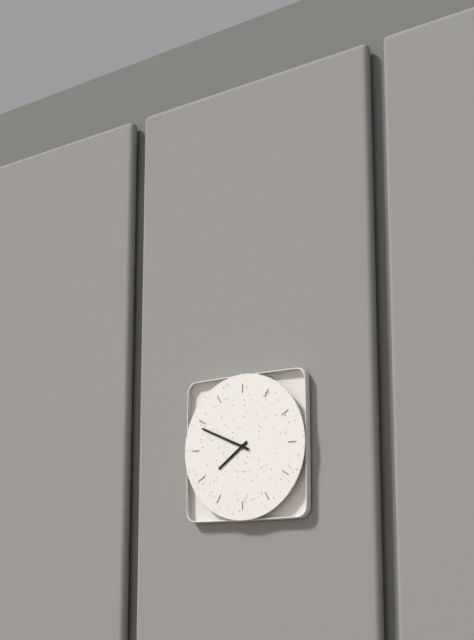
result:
7.49
